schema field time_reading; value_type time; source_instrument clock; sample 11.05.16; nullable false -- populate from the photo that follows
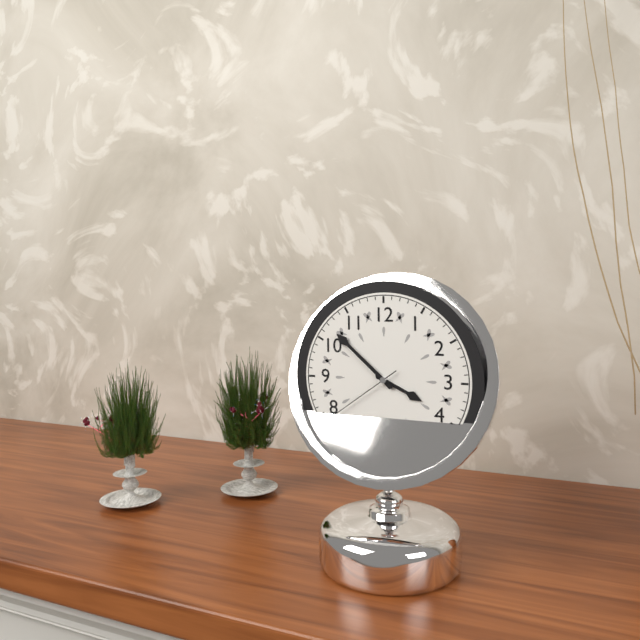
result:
3.52.39
